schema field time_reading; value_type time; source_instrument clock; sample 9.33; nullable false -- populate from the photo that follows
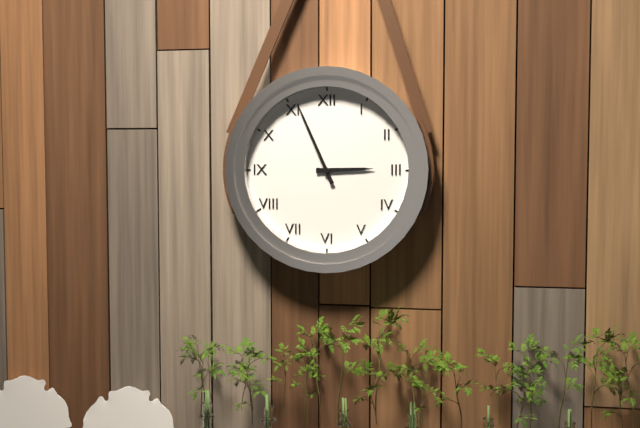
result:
2.56
